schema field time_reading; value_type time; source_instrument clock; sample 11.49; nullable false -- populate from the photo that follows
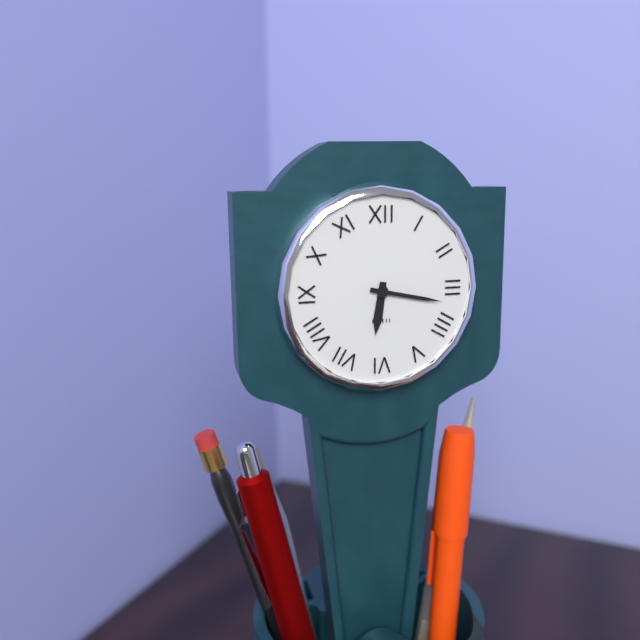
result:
6.17
